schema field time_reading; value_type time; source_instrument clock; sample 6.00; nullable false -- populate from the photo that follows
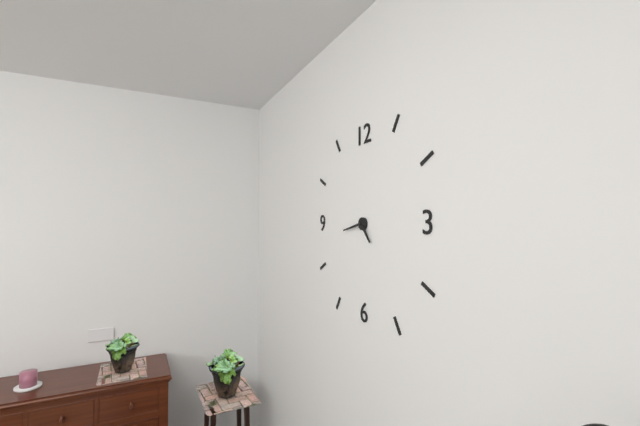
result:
4.43
